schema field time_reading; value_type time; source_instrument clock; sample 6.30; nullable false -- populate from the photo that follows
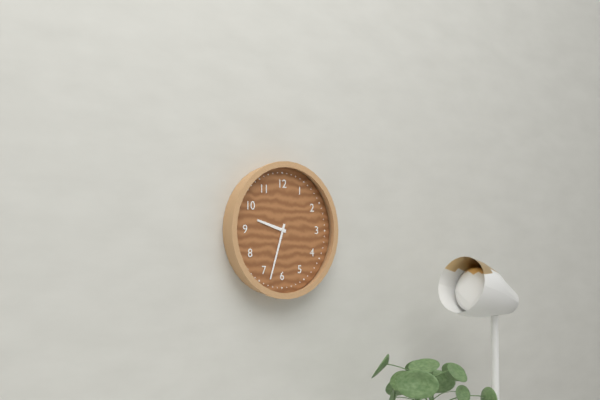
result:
9.33
